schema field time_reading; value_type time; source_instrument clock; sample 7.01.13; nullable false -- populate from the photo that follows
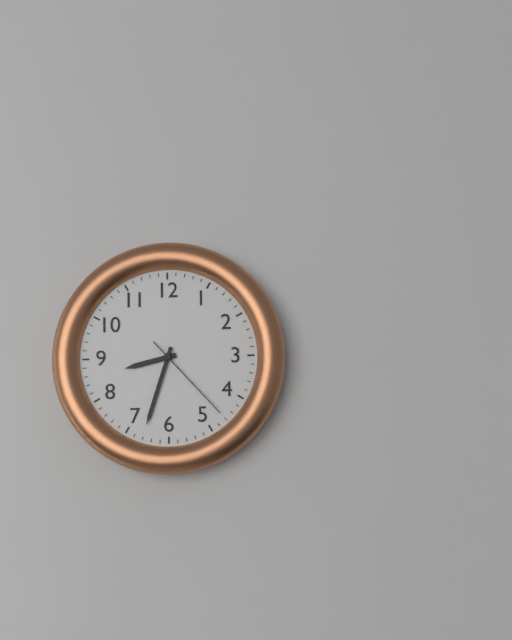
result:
8.33.23
